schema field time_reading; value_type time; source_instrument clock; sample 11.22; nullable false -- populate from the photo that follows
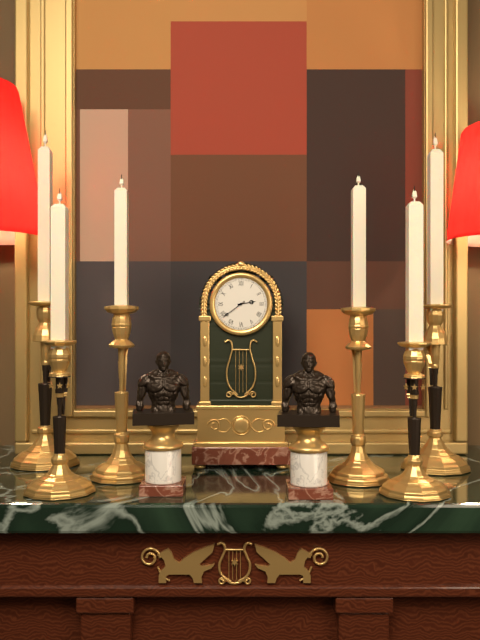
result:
2.39
